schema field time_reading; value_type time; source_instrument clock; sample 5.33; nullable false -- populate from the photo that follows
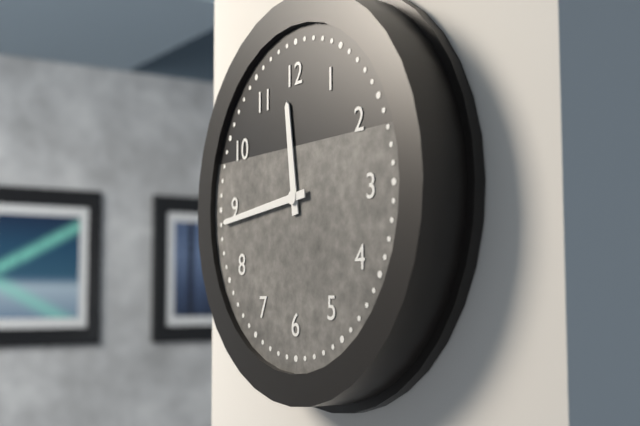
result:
11.44
